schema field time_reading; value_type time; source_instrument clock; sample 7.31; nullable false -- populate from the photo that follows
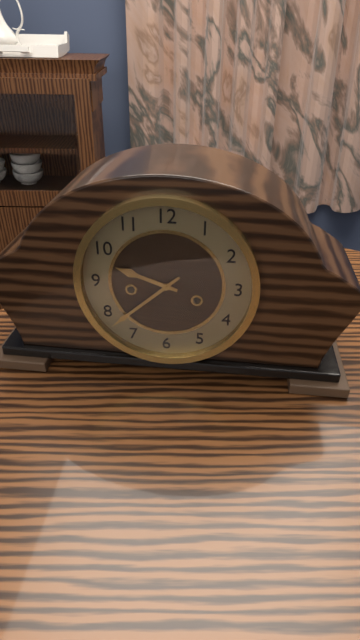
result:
9.38
